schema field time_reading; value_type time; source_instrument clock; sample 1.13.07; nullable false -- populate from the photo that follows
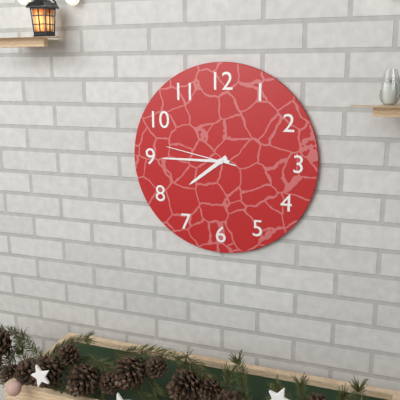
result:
7.45.47
